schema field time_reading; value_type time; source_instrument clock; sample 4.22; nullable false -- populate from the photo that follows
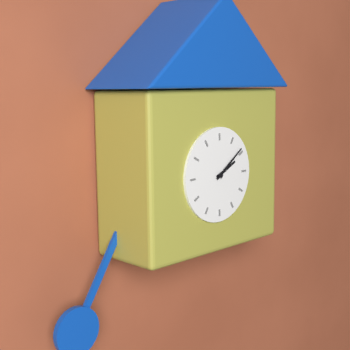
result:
2.09
